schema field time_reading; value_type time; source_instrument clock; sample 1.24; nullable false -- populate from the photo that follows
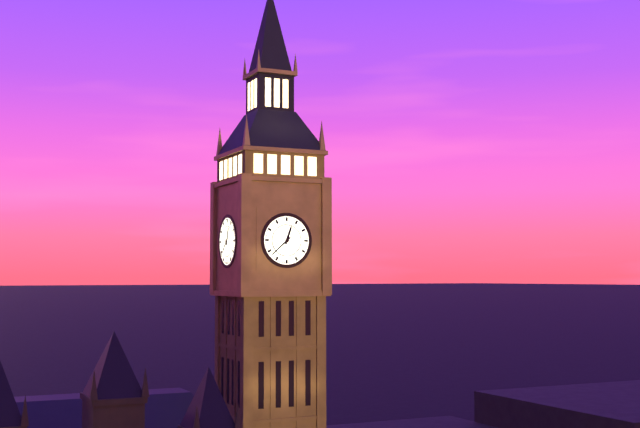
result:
12.38
